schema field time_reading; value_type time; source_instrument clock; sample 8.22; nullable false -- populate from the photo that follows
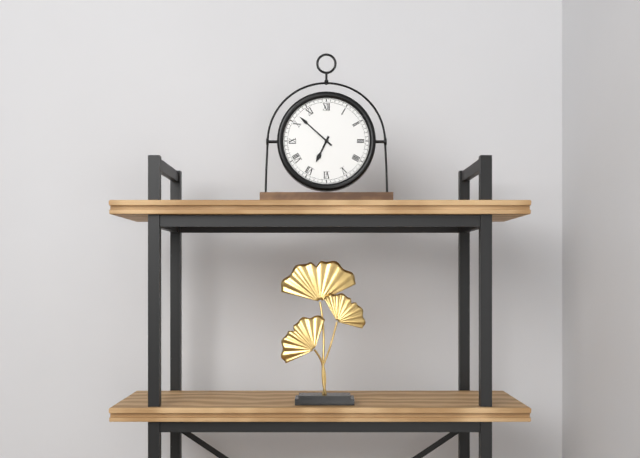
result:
6.52
